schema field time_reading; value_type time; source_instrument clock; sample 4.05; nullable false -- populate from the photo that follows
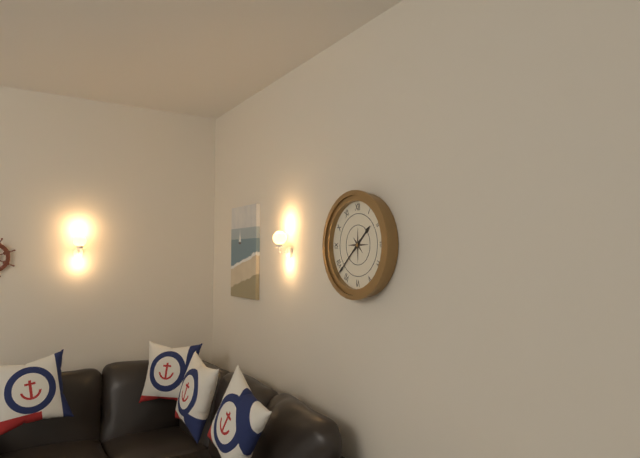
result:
1.38
